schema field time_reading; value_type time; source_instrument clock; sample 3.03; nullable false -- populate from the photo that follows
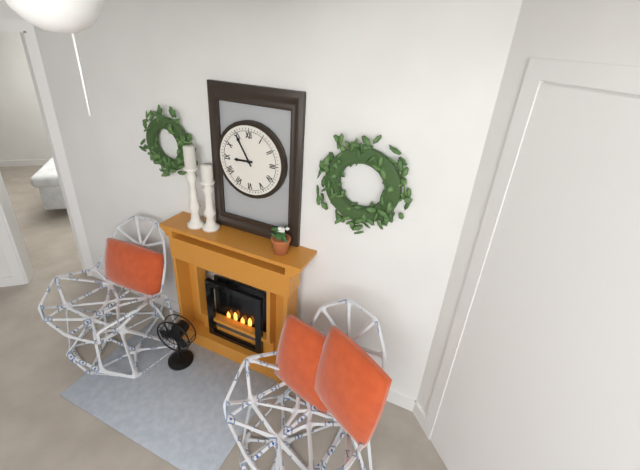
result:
8.55
